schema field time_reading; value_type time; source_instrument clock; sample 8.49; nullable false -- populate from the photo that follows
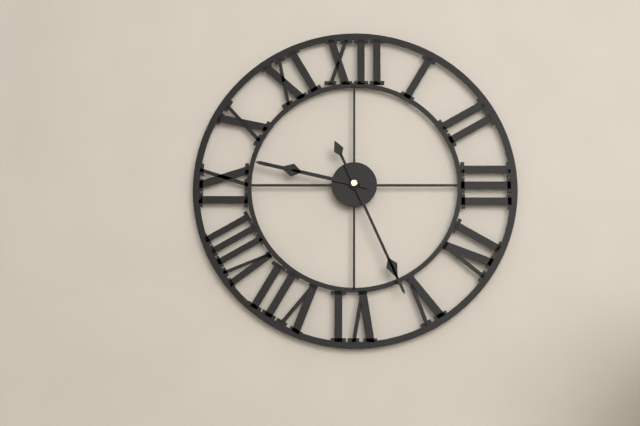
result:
9.26
